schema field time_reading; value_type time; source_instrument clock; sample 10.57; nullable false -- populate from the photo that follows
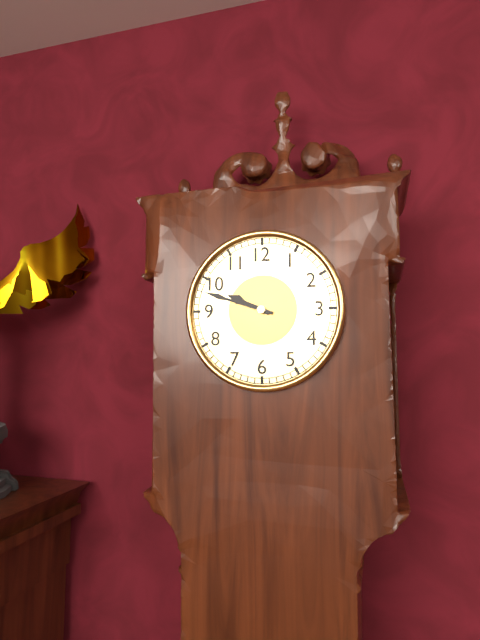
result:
9.48
